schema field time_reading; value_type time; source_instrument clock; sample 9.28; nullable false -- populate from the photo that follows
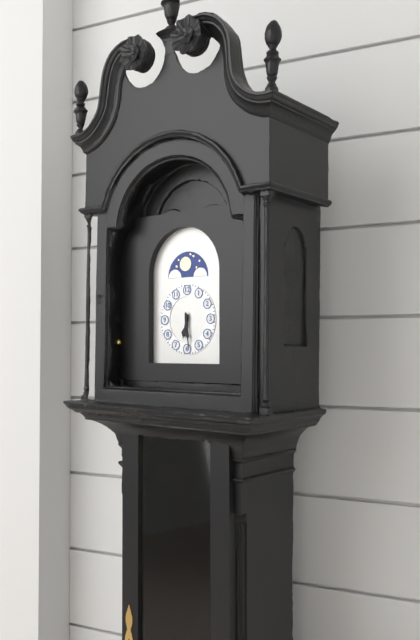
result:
6.29
